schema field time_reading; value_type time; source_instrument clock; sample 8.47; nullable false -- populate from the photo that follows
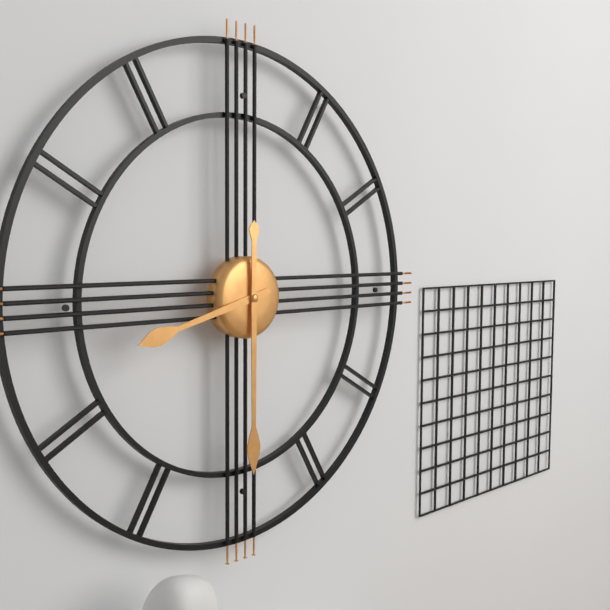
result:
8.30
